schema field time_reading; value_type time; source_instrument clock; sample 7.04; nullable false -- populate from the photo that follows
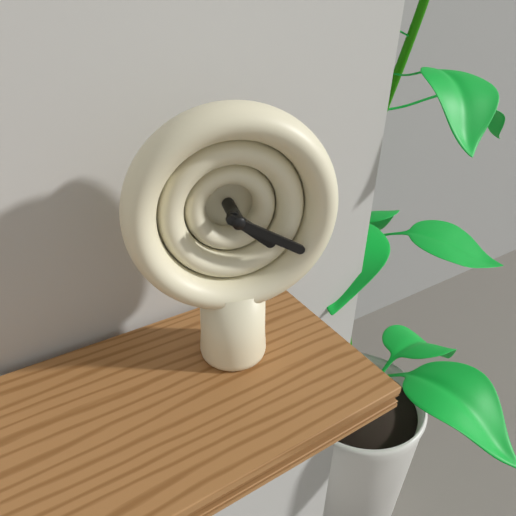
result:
4.20
